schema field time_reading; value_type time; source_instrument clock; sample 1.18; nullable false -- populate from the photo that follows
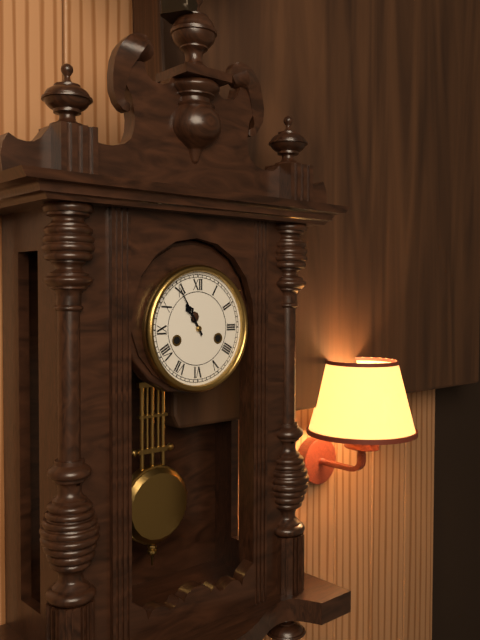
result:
10.55
